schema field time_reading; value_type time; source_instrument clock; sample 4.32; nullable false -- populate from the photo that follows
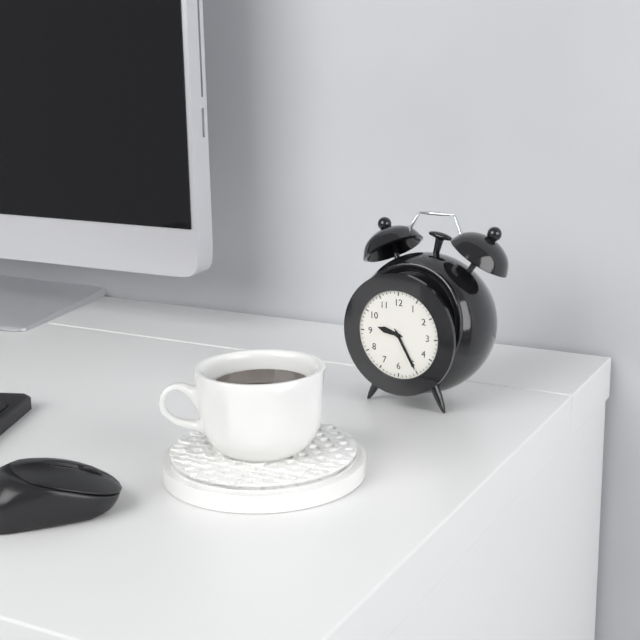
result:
9.25
